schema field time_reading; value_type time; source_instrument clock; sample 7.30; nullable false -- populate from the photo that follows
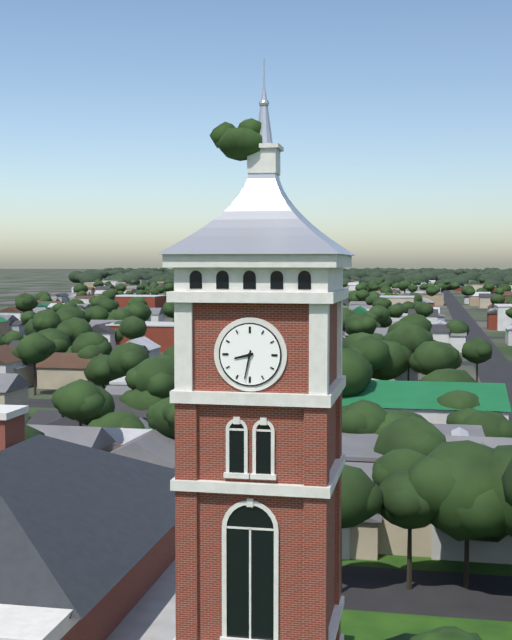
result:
8.32
